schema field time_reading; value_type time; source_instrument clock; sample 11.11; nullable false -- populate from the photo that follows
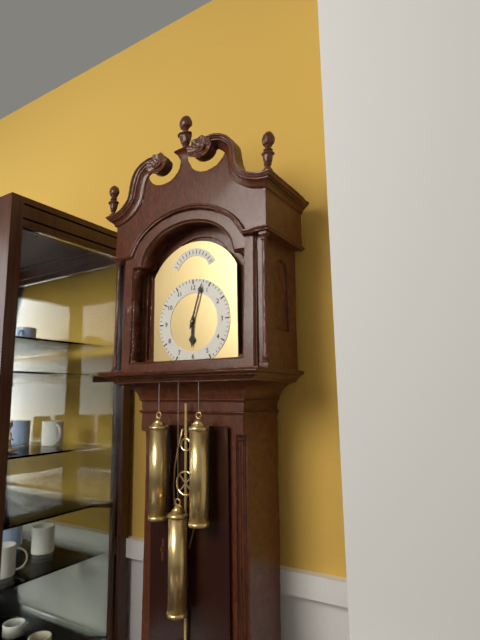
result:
6.03
